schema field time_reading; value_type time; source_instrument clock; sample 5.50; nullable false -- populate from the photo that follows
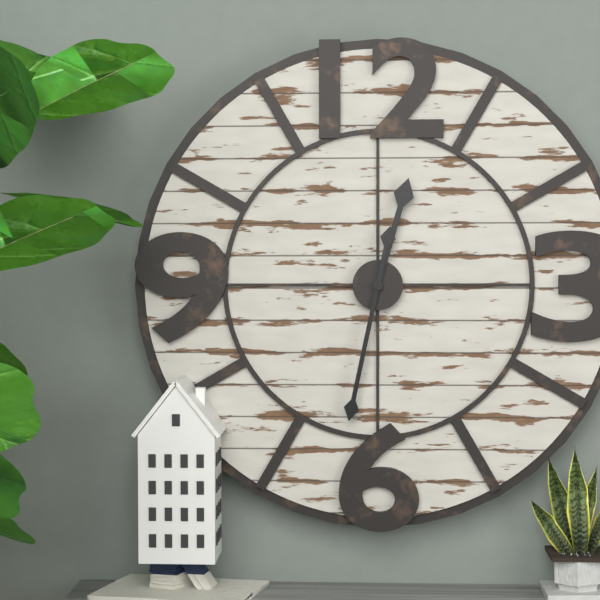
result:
12.32
